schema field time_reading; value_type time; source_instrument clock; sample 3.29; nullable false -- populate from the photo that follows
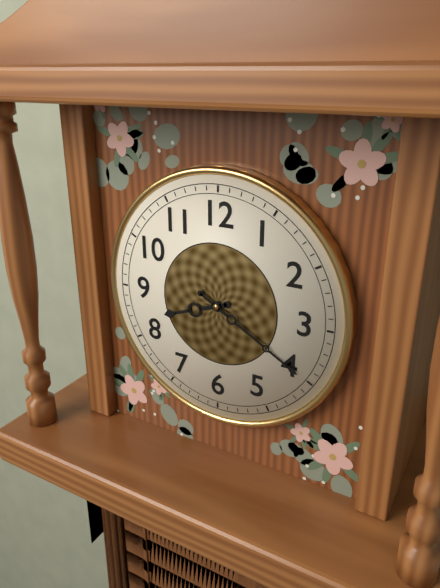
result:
8.20
